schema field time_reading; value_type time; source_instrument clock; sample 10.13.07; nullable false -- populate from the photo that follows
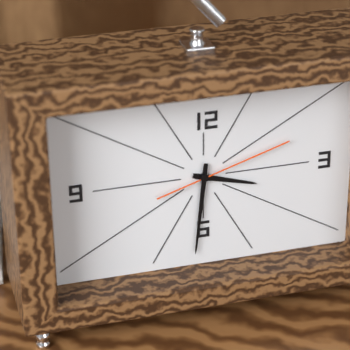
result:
3.31.12
